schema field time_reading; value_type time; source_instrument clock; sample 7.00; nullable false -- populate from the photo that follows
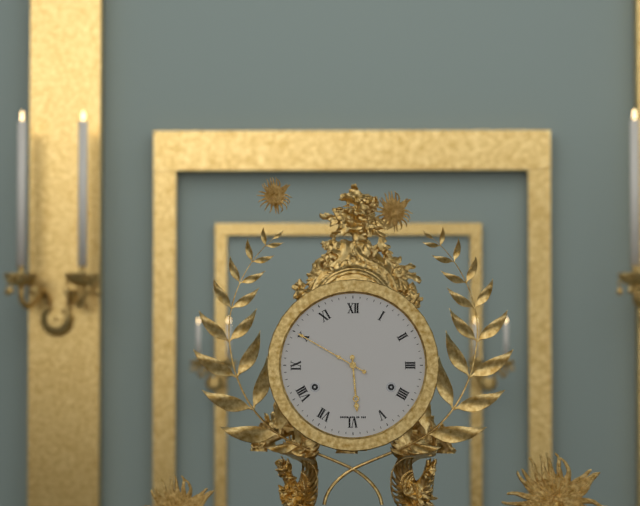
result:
5.50
